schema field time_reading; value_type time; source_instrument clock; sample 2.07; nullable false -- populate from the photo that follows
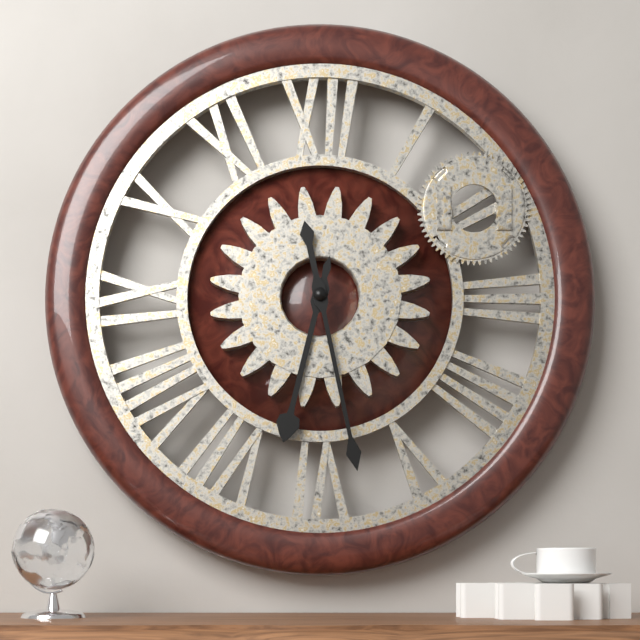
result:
6.28
